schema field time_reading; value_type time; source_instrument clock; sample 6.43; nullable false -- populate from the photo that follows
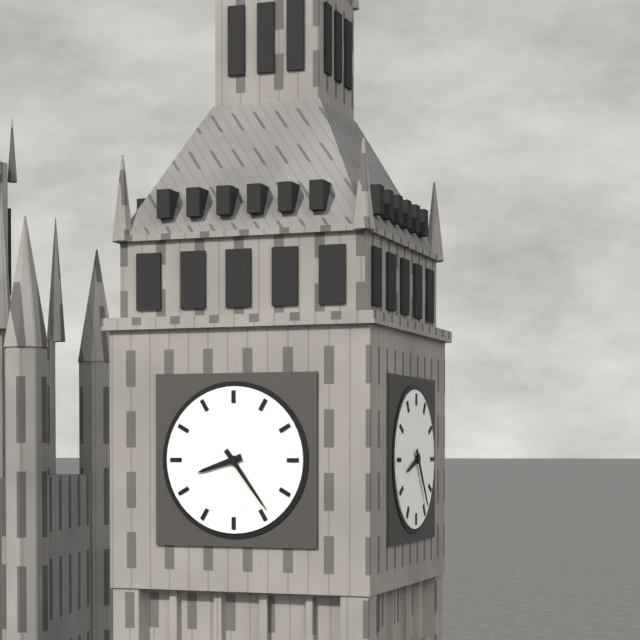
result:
8.24
